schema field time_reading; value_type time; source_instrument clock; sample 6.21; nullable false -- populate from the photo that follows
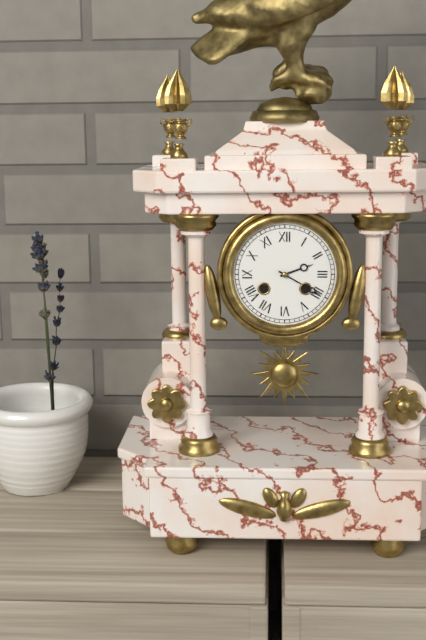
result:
2.20
